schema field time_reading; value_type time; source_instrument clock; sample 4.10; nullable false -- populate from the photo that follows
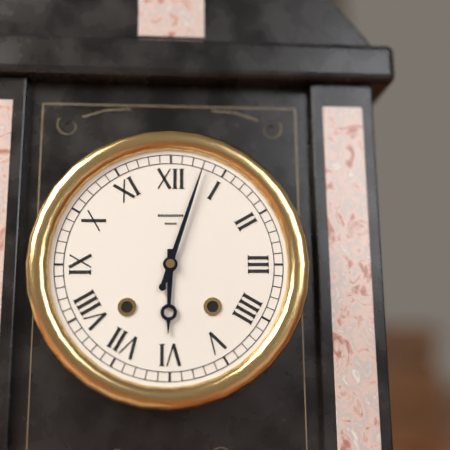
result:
6.03
